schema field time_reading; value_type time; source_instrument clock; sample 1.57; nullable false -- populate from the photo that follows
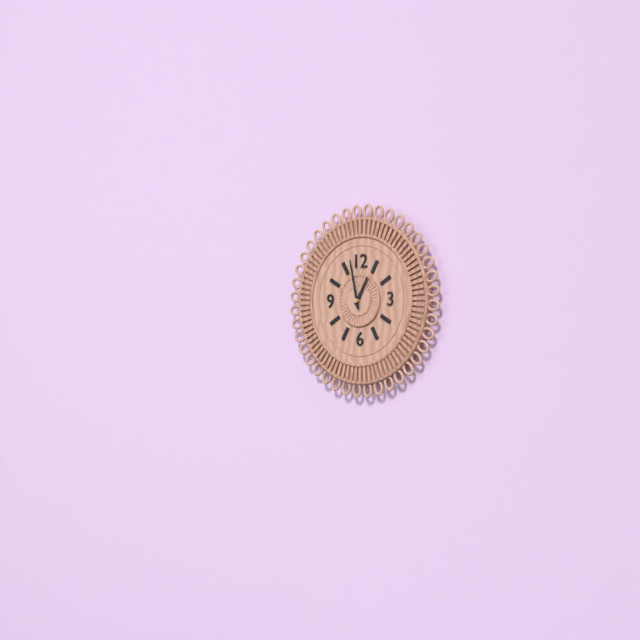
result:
12.58
